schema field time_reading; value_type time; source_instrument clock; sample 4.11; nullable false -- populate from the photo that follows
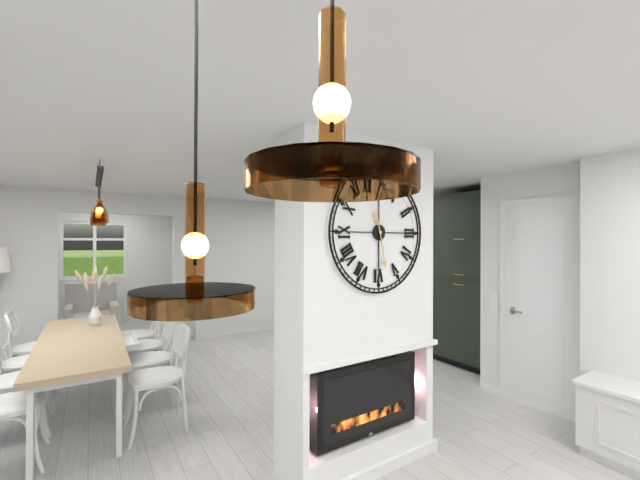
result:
11.28
